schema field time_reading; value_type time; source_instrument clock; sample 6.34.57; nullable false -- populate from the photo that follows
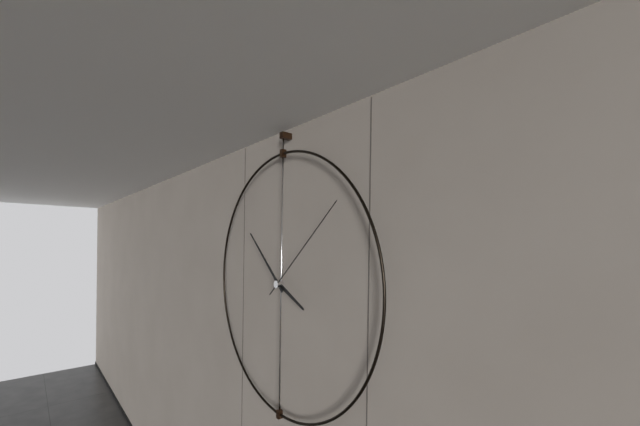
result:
3.52.08
